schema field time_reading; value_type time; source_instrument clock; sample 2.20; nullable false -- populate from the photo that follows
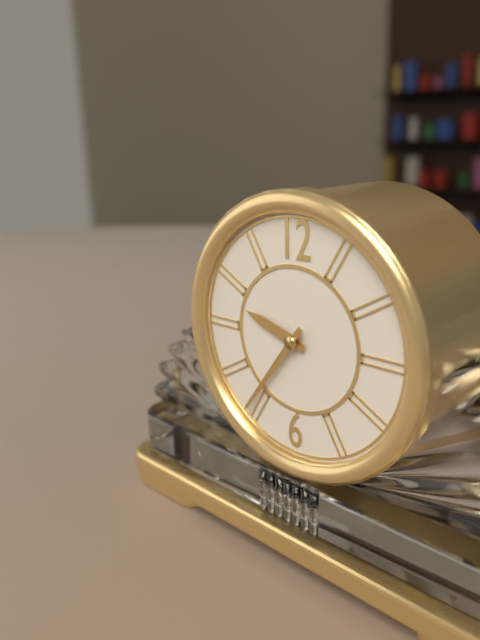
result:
9.36
